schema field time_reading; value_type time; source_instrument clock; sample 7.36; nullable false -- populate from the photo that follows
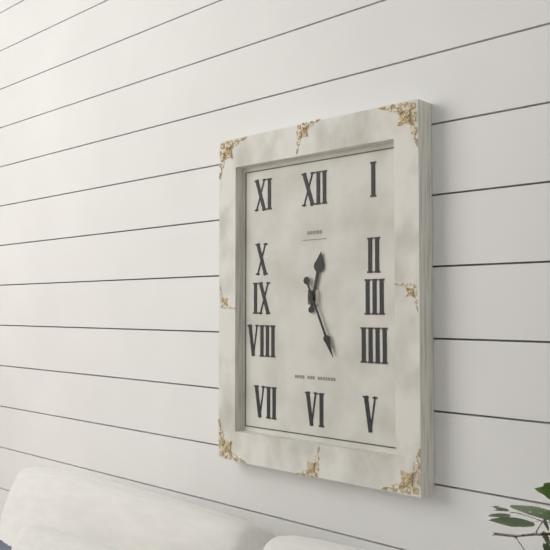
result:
12.26
